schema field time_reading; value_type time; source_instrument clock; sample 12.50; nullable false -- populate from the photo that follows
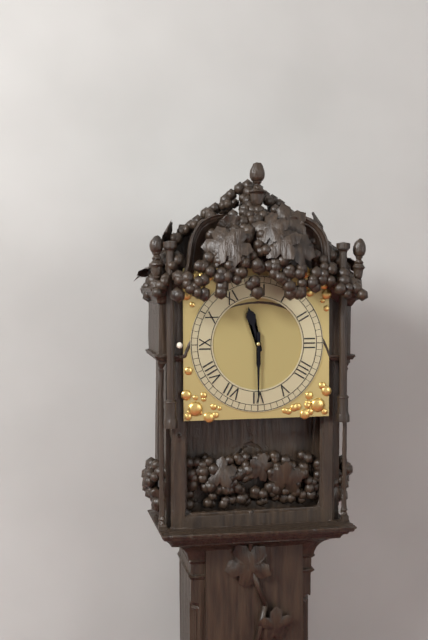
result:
11.30
